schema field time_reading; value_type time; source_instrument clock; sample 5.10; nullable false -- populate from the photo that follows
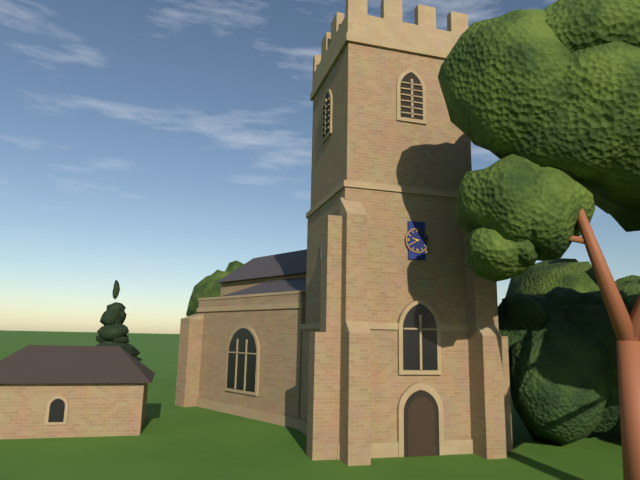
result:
9.40
